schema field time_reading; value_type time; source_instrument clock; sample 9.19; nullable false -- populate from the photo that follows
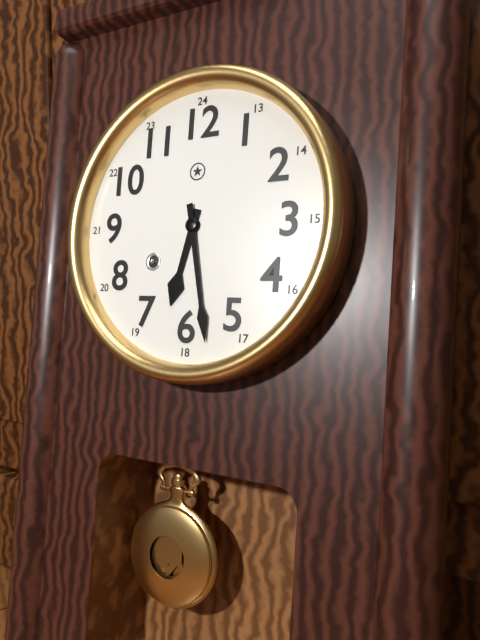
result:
6.28
